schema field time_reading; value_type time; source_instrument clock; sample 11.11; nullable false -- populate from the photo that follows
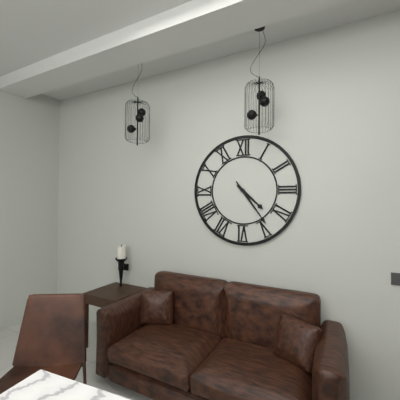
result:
4.24
